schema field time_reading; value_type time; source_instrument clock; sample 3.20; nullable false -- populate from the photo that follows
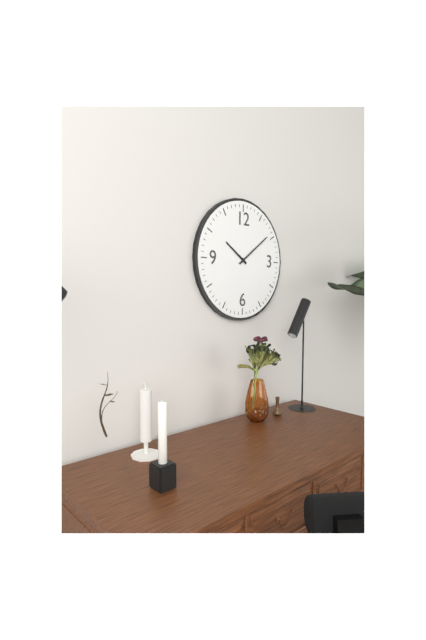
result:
10.09
